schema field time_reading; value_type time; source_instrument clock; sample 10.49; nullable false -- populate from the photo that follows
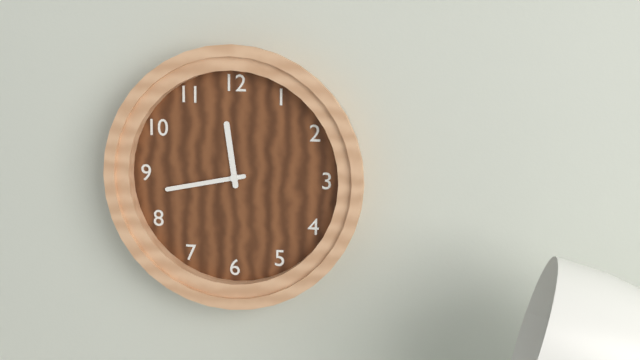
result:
11.43
